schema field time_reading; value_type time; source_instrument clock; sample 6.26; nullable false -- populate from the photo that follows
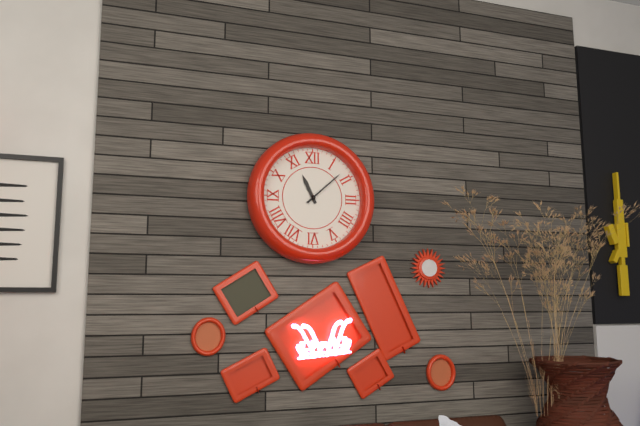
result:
11.08
